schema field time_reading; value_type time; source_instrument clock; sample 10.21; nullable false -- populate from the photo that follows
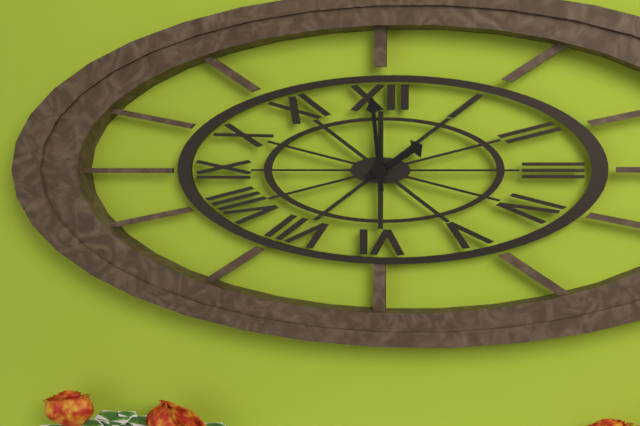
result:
1.59
